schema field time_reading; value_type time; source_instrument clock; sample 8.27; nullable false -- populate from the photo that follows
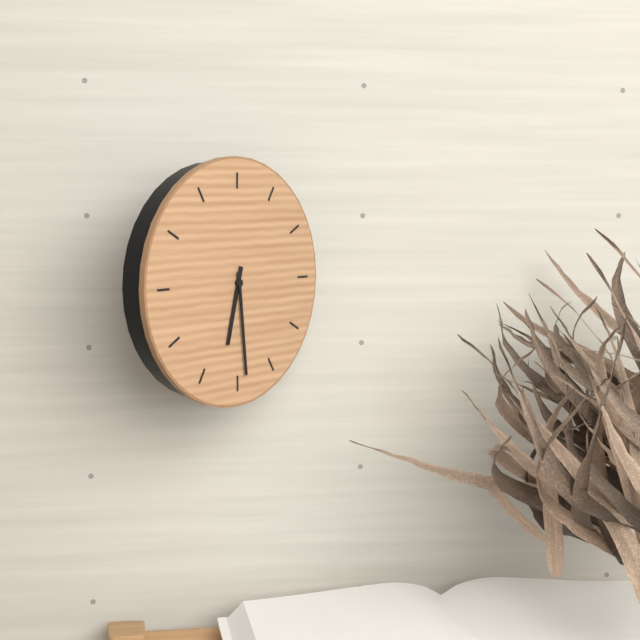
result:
6.29
